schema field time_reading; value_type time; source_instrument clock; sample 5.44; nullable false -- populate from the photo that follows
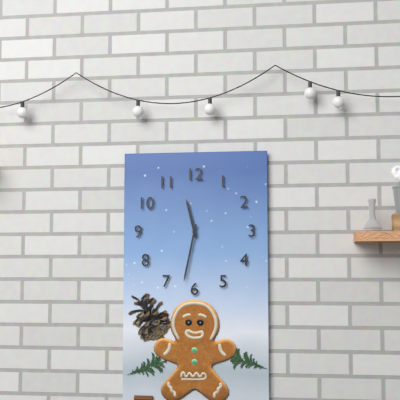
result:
11.32
